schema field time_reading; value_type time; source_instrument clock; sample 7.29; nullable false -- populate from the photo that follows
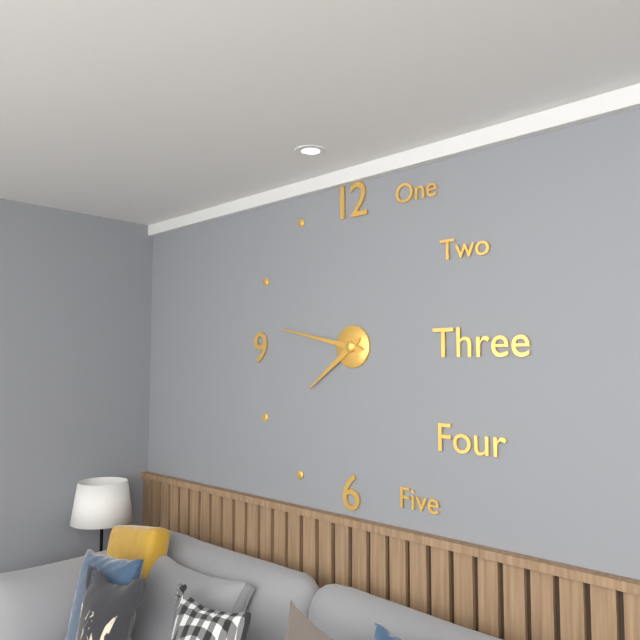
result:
7.47
